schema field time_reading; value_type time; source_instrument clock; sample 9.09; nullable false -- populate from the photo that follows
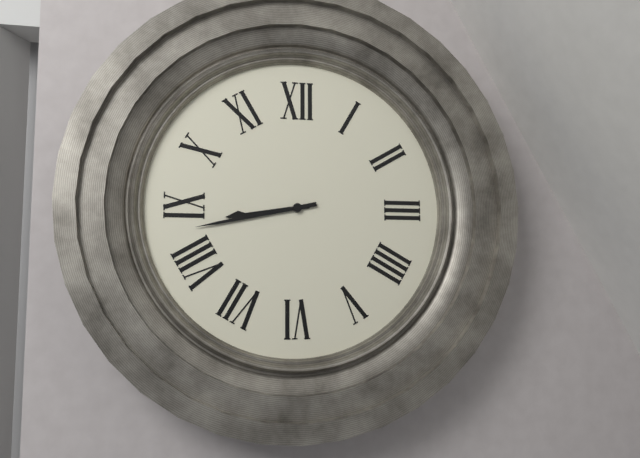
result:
8.43
